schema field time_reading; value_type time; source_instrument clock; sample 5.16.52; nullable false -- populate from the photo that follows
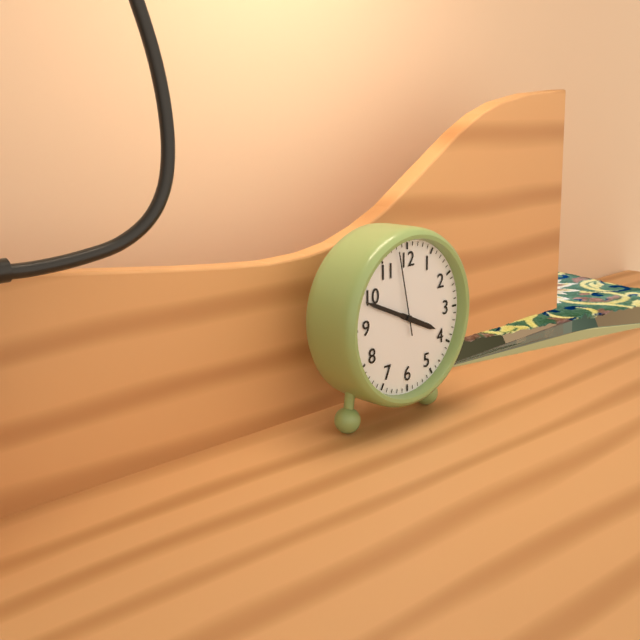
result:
3.49.58
